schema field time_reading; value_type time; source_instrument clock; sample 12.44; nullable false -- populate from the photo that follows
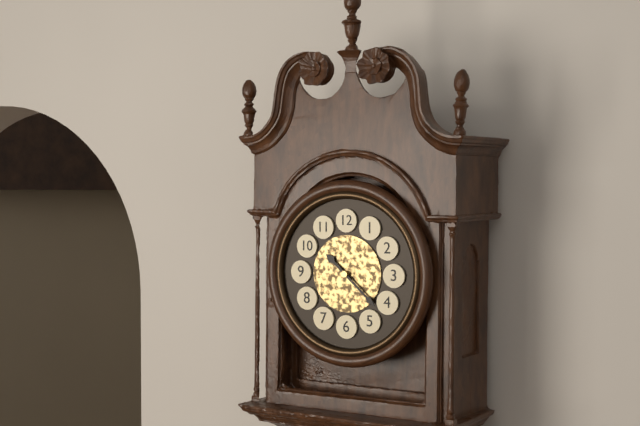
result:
10.22
